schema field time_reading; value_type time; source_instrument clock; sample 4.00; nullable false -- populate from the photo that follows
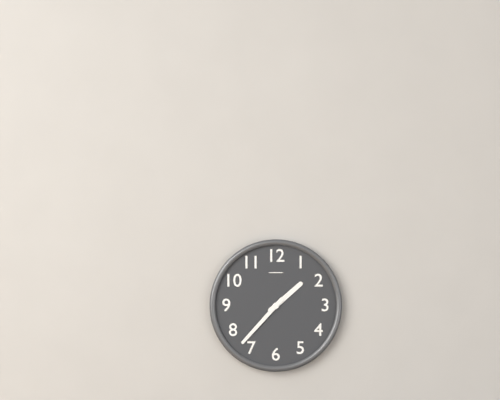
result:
1.37
